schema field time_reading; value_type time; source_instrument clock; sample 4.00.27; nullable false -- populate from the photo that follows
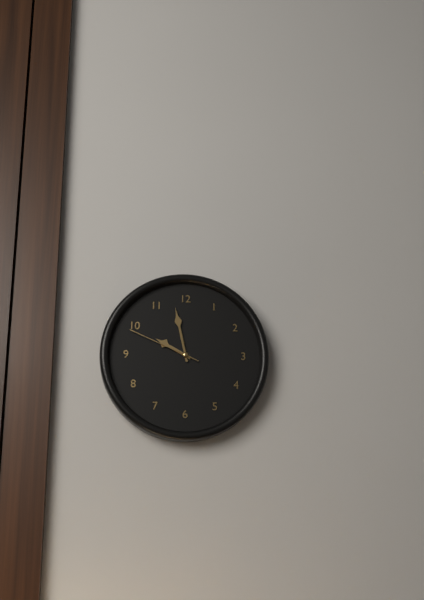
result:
9.58.49
